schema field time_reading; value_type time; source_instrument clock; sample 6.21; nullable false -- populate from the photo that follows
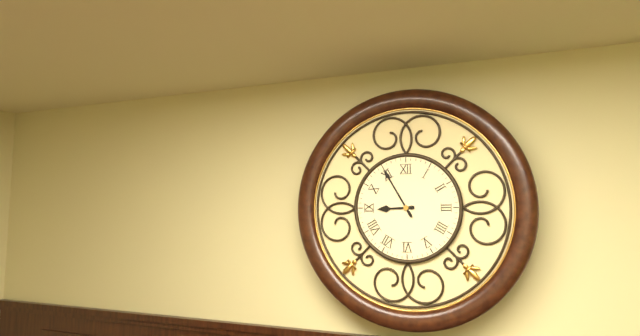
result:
8.55
